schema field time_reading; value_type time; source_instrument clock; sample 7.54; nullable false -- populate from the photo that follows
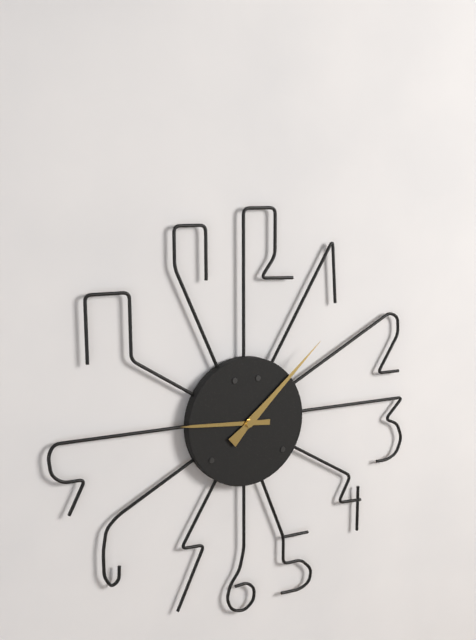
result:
9.08
